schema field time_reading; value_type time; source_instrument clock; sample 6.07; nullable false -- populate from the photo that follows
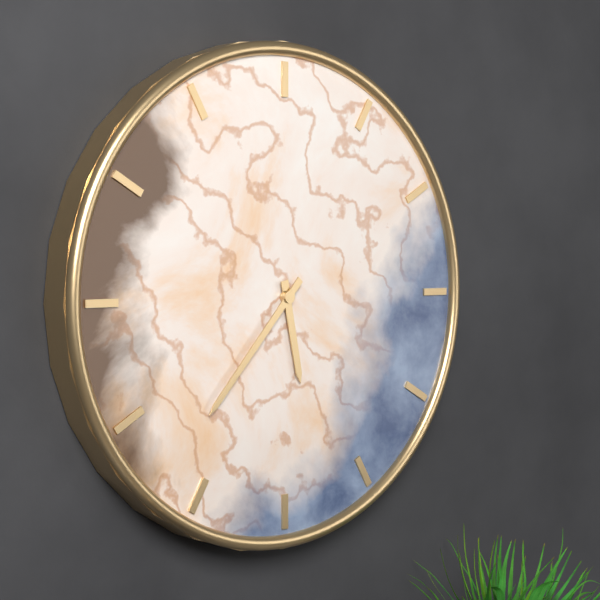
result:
5.37
